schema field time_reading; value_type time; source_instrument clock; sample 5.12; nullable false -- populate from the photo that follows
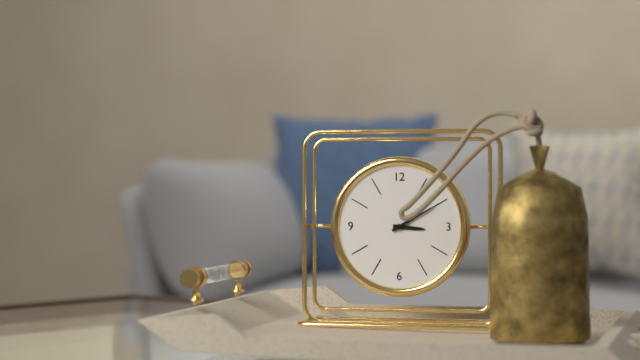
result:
3.10
